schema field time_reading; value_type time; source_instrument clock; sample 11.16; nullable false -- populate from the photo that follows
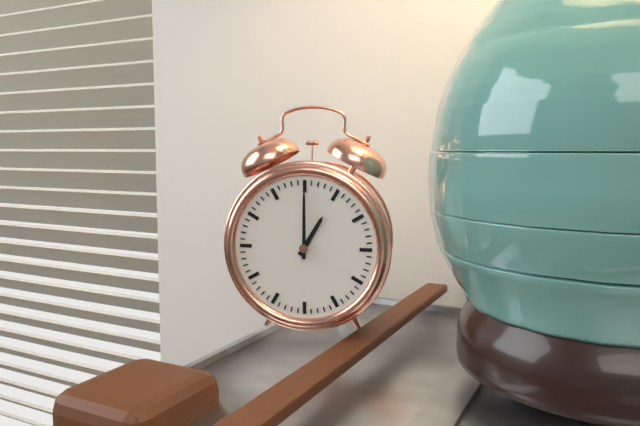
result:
1.00
